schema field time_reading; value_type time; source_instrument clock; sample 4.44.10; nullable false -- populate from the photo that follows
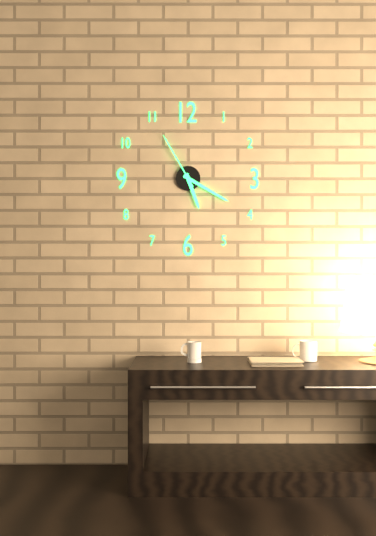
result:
5.20.55
